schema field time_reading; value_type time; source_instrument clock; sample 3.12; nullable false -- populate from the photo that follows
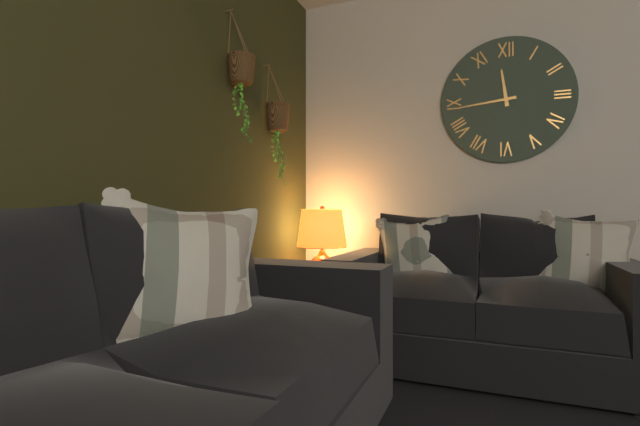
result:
11.44
